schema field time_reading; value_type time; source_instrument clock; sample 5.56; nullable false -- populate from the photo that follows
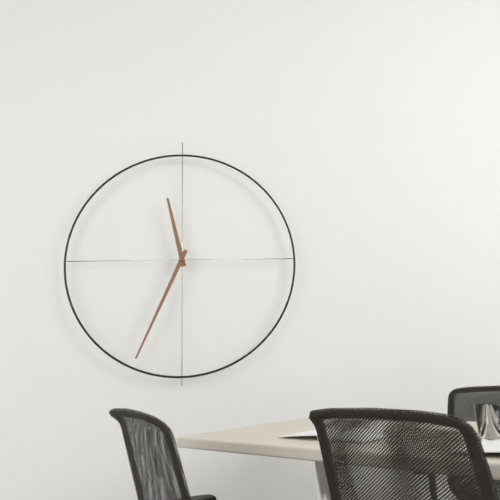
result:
11.34
